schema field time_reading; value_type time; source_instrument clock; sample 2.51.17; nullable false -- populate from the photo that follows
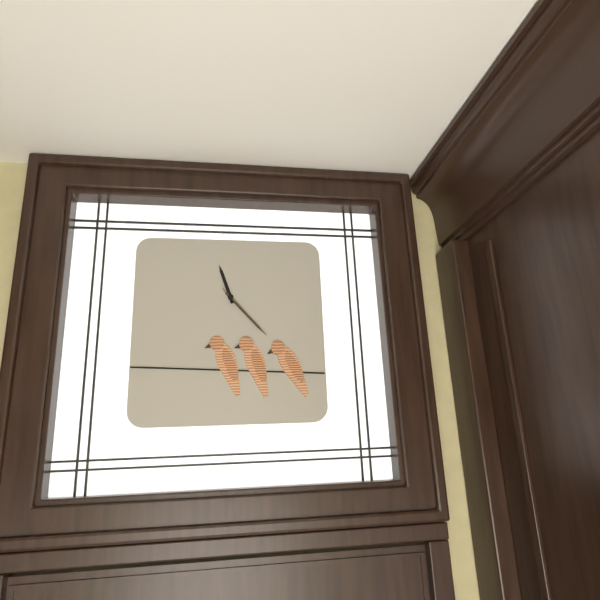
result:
11.23.23
